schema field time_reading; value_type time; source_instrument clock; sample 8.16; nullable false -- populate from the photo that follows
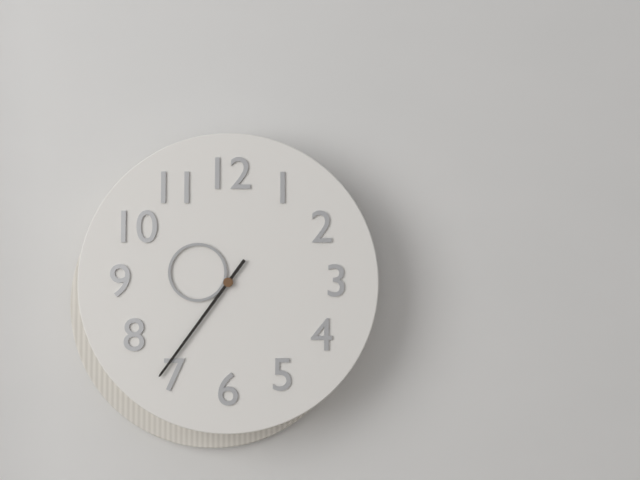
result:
9.36
